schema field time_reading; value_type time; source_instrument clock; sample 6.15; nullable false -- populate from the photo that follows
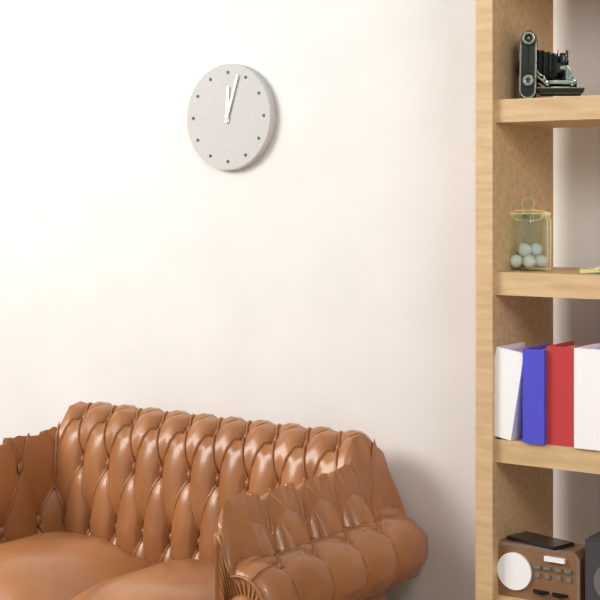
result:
12.03
